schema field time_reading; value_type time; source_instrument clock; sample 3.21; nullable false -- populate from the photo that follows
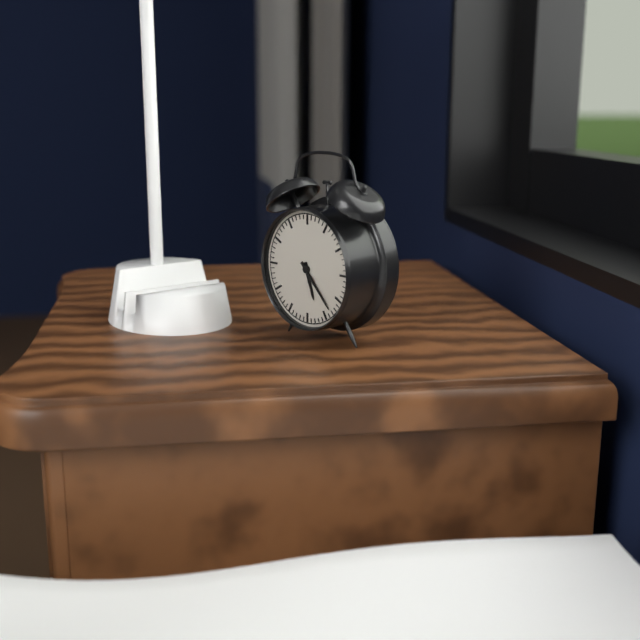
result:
5.23
